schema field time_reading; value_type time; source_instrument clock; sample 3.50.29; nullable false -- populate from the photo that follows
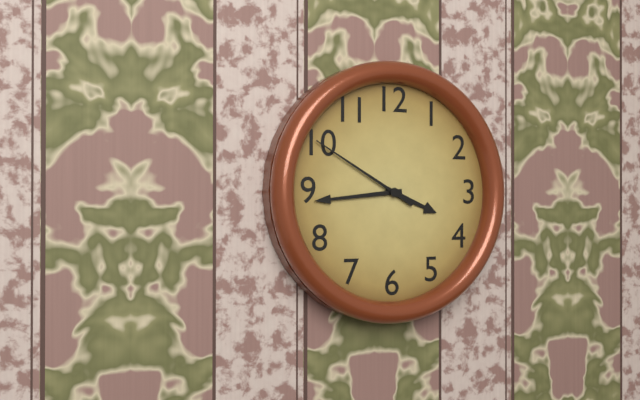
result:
3.44.50
